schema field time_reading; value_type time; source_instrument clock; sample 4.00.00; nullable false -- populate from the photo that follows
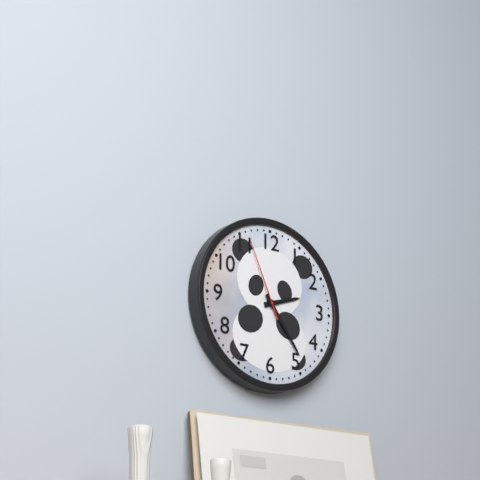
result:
2.24.56
